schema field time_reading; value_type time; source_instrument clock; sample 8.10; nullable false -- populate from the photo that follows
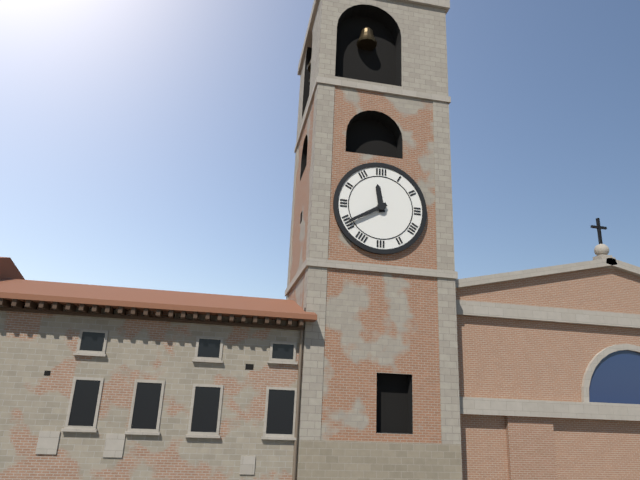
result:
11.40
